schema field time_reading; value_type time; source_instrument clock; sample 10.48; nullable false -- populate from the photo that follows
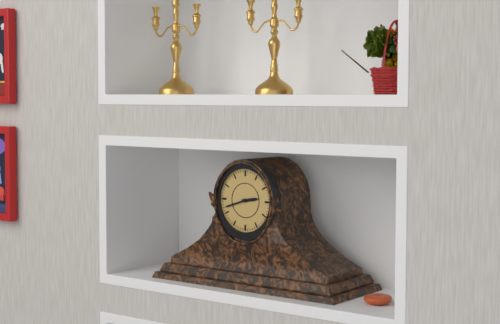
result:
2.42
